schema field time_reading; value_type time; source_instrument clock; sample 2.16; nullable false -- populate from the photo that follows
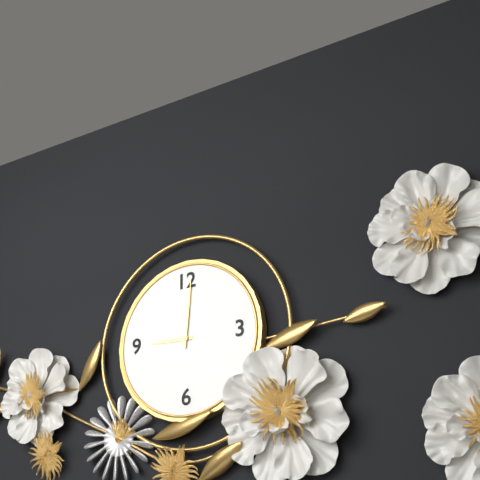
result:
9.01
